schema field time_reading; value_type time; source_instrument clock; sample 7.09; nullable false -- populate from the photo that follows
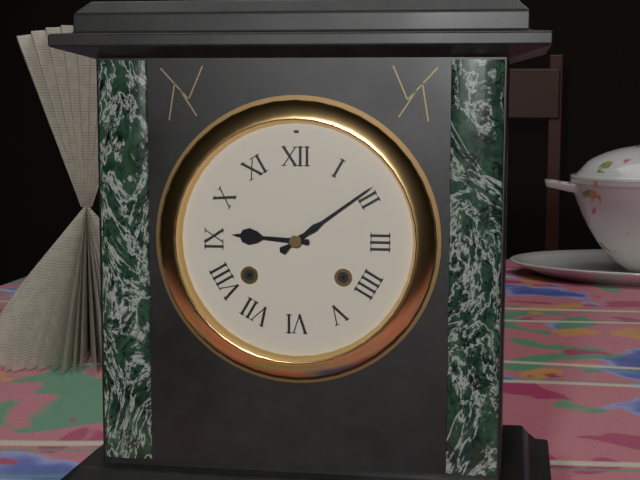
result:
9.09
